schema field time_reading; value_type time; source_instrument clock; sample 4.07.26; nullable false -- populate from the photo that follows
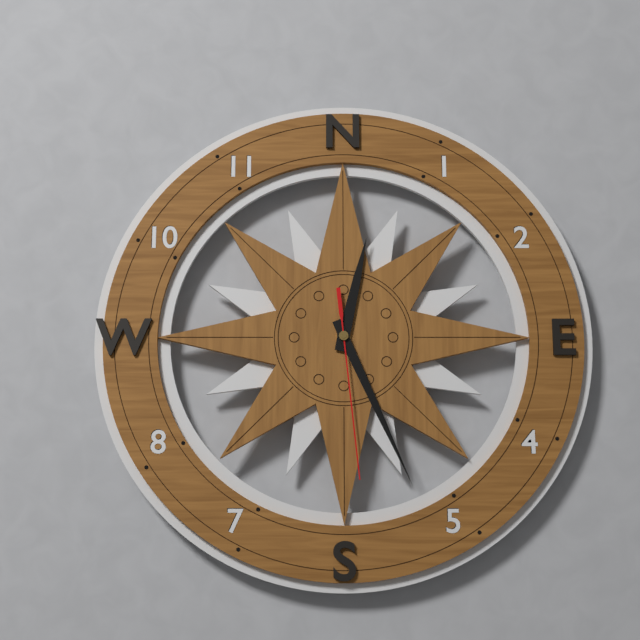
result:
12.26.29
